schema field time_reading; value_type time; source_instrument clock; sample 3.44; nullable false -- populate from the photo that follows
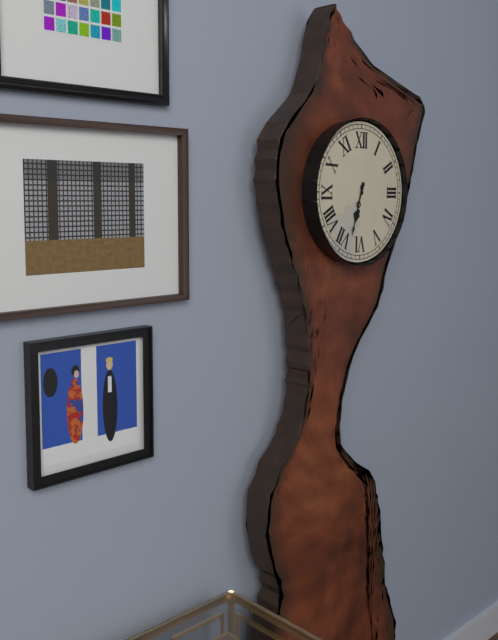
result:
6.33
